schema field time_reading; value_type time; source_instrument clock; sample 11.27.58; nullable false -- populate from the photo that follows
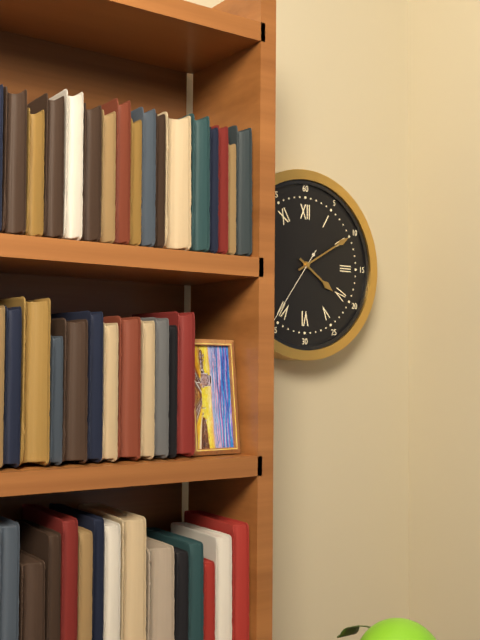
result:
4.10.36
